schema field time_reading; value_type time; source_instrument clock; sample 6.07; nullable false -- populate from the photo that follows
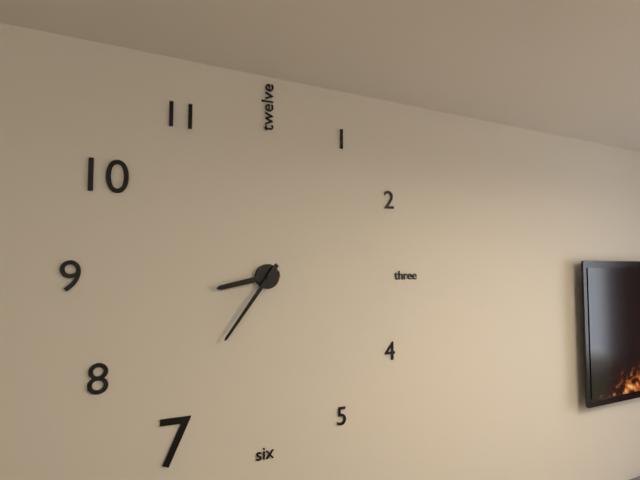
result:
8.36
